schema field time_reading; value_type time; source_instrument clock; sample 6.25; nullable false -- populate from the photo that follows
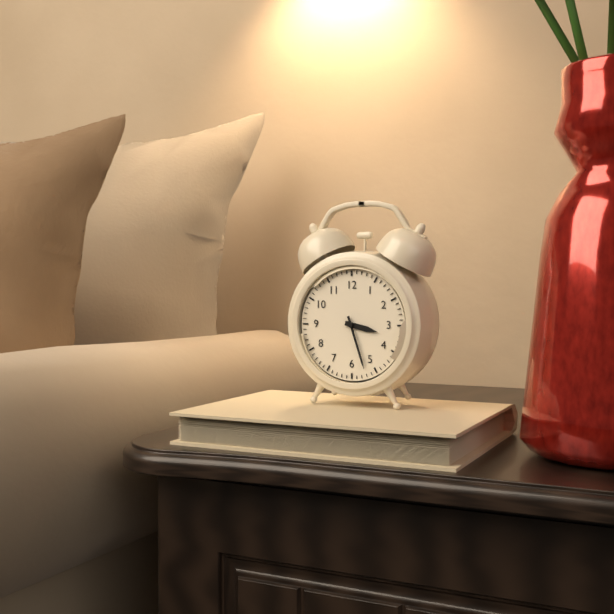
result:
3.27
